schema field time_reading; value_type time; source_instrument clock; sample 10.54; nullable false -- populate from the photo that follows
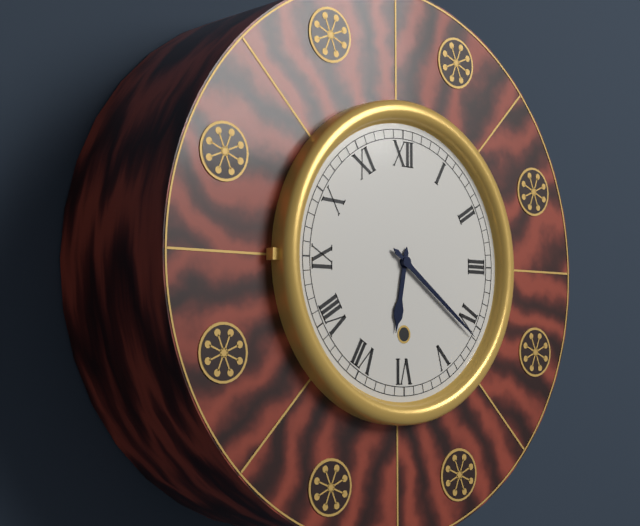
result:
6.21
